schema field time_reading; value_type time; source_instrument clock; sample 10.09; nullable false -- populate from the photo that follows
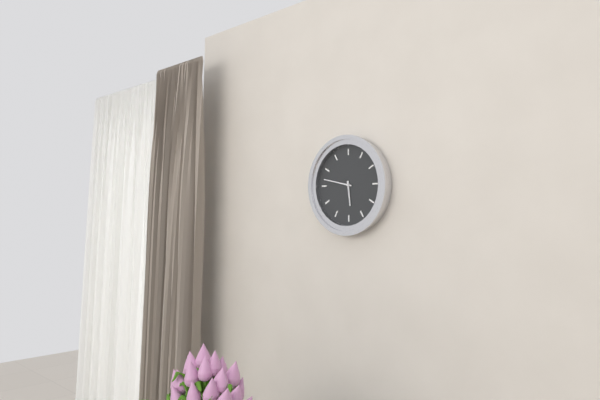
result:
5.47
